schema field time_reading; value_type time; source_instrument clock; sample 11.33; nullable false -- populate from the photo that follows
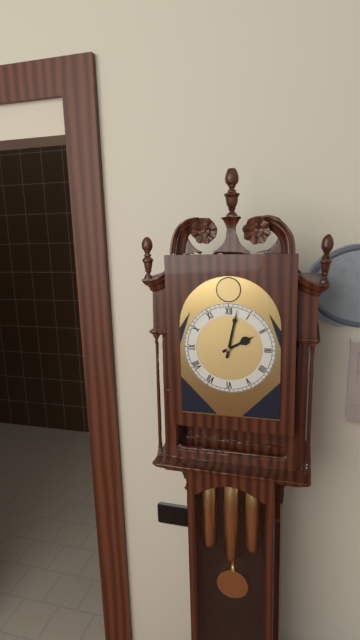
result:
2.02
